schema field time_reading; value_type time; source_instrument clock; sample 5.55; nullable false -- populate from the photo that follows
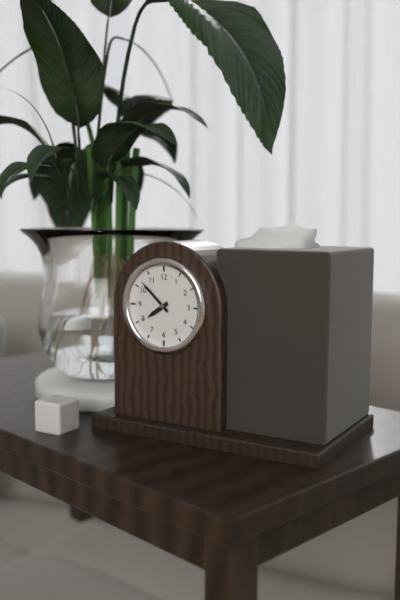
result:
7.52
